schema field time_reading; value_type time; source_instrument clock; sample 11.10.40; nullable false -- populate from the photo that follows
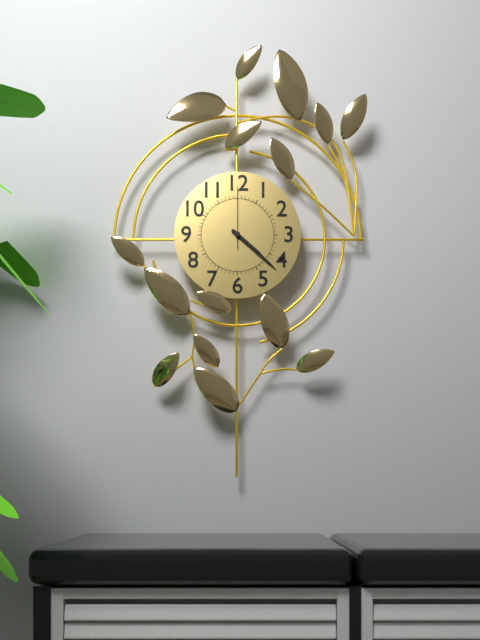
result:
4.22.00
